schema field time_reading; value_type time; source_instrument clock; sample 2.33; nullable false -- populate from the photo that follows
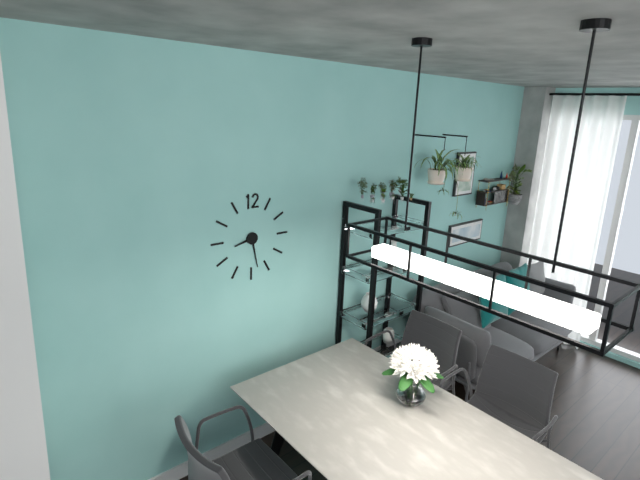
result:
8.28
